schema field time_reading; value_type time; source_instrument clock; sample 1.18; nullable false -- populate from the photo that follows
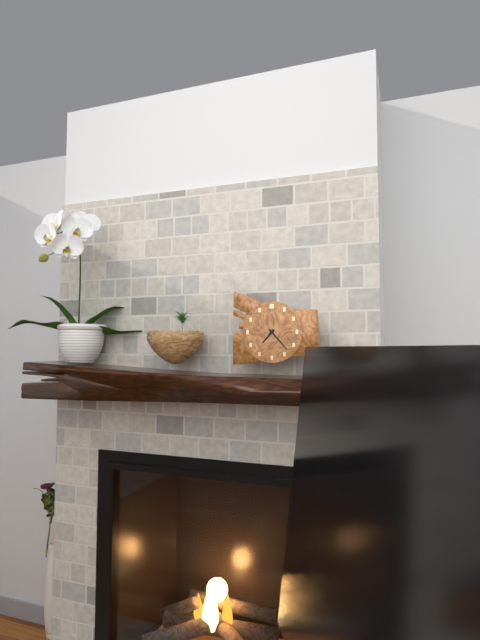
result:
7.23
